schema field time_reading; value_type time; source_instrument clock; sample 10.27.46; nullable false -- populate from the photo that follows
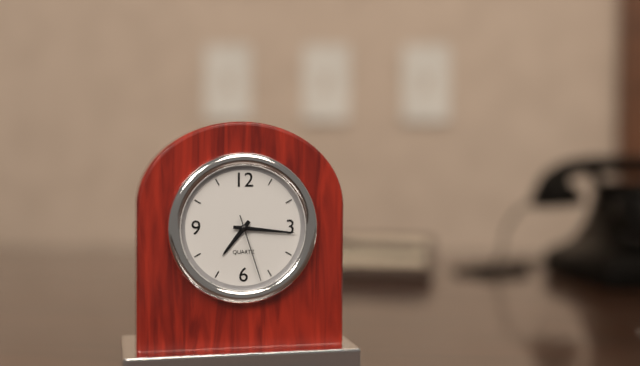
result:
7.16.27
